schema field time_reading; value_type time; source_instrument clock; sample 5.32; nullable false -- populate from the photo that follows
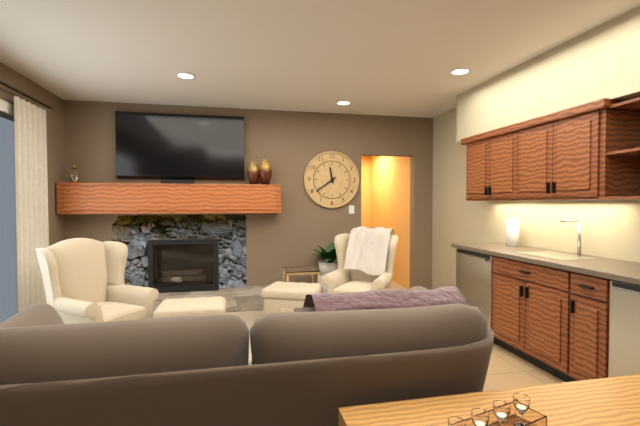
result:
11.39
